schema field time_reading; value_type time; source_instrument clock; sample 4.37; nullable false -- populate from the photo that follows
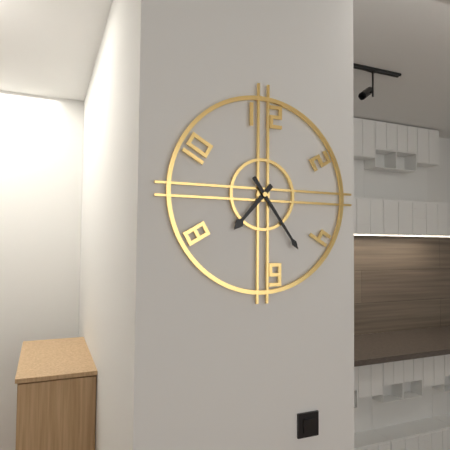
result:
7.24
